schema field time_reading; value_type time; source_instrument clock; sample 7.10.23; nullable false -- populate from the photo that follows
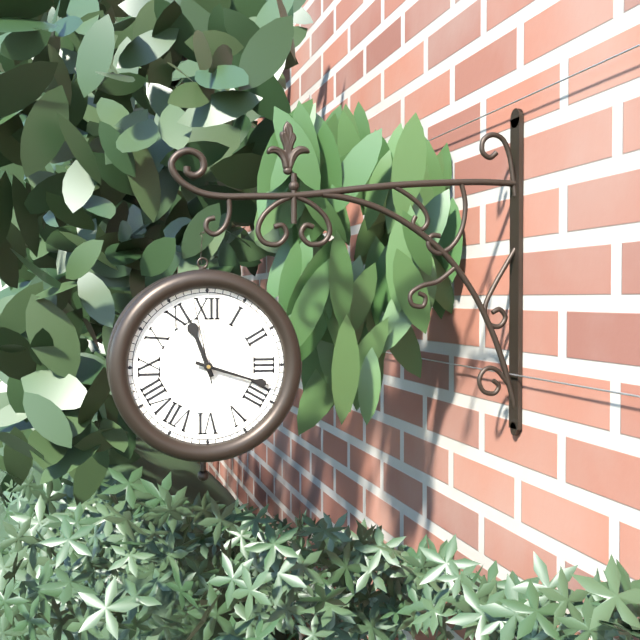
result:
11.18.58
